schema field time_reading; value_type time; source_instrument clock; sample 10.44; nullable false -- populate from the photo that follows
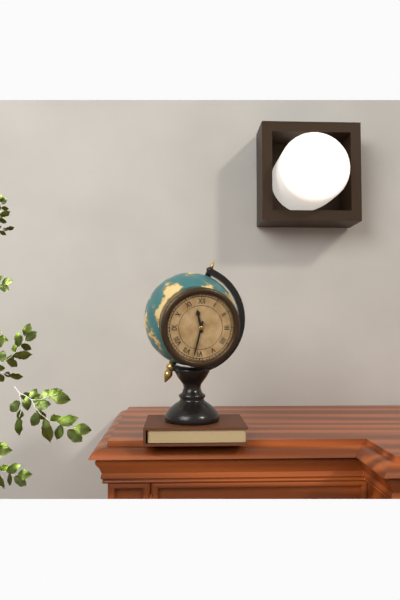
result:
11.32
